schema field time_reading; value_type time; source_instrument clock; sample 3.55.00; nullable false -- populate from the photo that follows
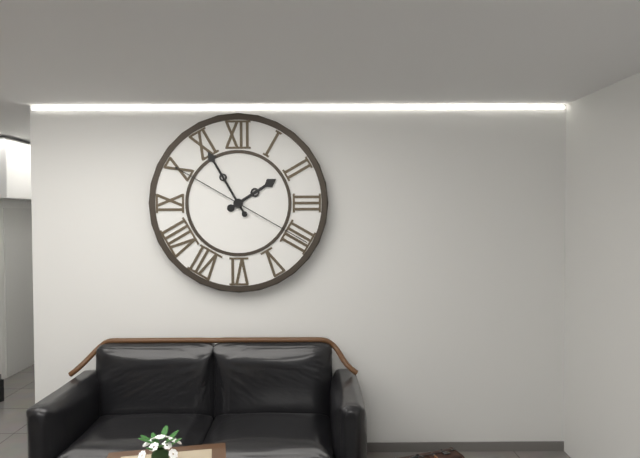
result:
1.55.20
